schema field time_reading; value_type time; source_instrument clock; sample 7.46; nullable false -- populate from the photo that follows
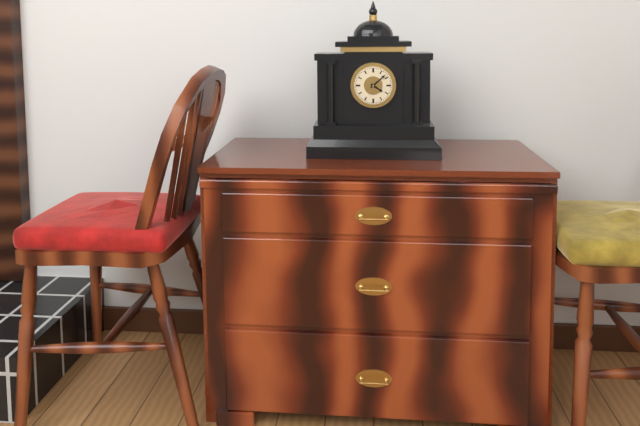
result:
4.08
